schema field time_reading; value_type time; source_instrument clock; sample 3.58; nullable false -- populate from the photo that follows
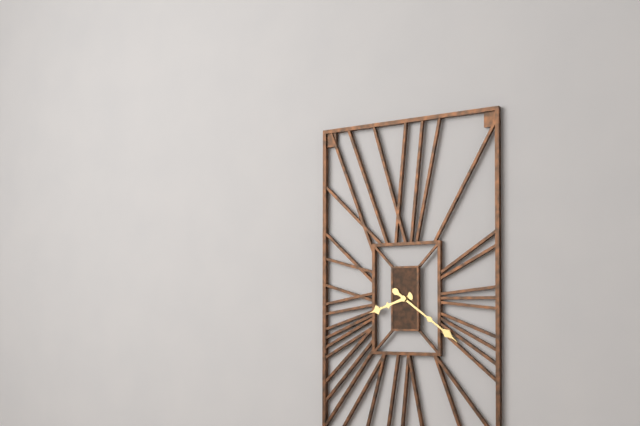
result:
8.21
